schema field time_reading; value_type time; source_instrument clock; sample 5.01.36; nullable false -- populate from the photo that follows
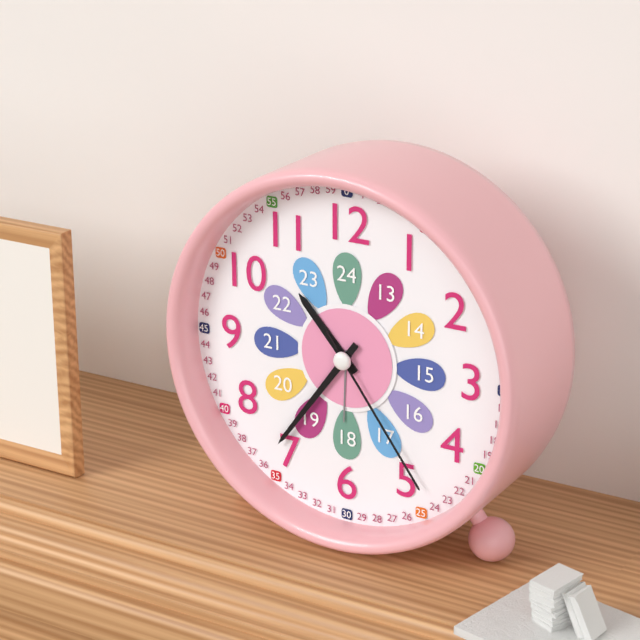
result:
10.36.24
